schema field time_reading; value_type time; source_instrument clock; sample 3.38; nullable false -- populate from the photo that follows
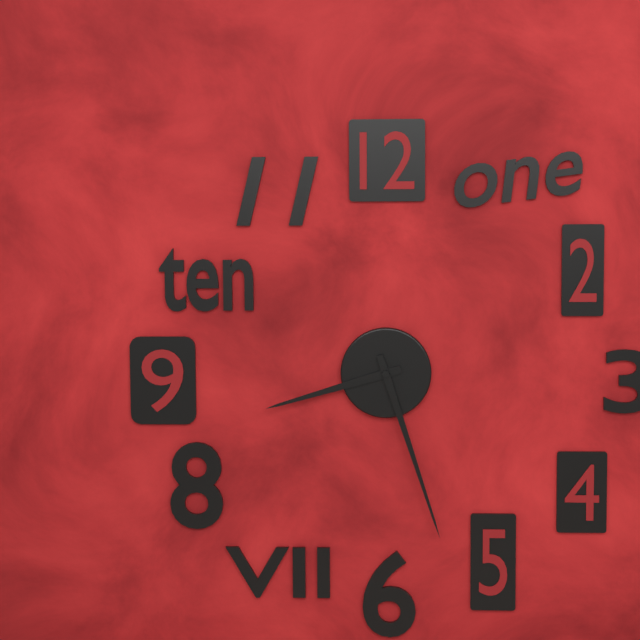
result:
8.27
